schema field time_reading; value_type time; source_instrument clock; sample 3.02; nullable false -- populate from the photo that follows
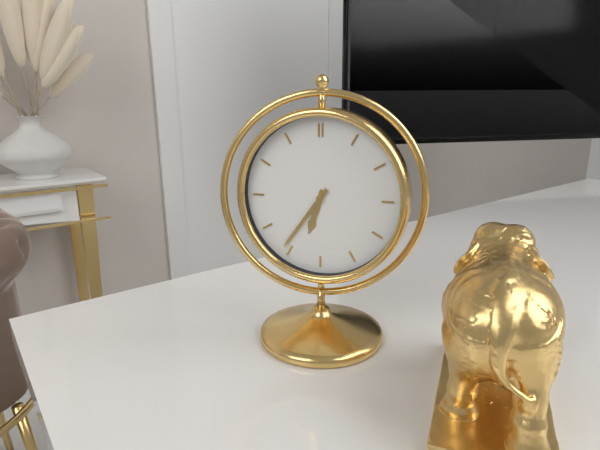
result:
6.36
